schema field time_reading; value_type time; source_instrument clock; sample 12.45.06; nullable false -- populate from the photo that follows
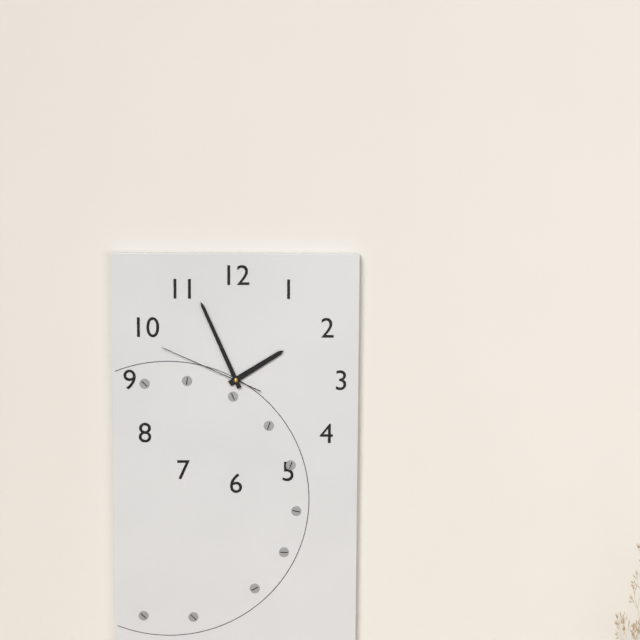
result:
1.56.49
